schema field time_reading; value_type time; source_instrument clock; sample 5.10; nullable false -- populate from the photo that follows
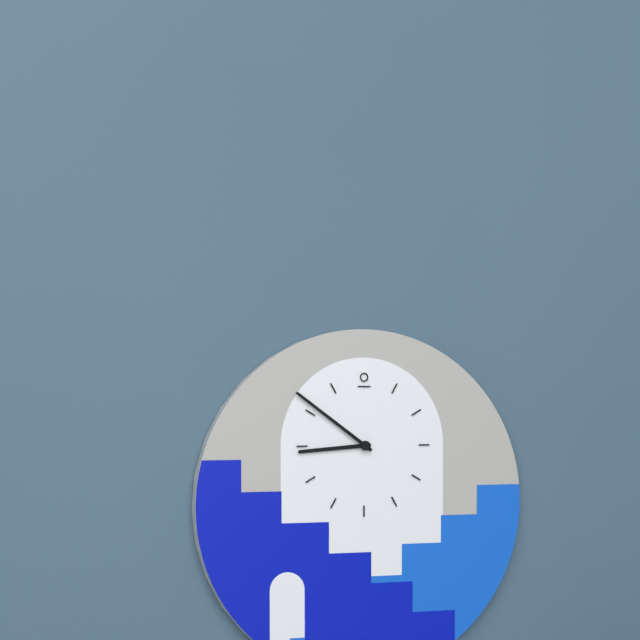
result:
8.51
